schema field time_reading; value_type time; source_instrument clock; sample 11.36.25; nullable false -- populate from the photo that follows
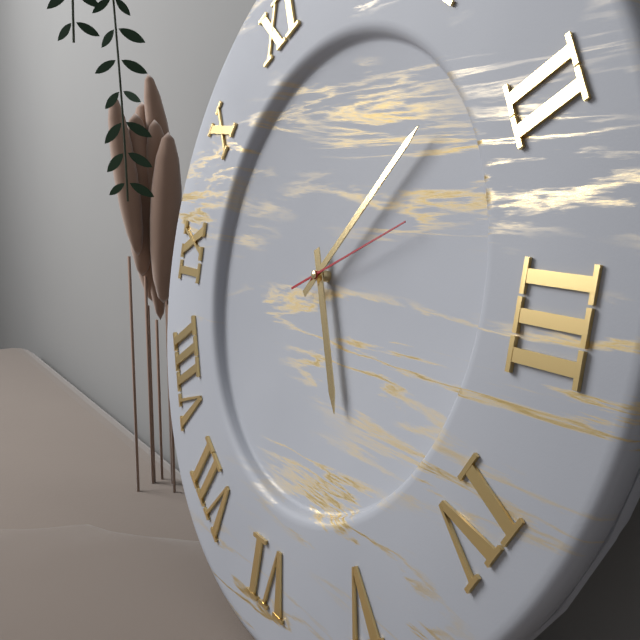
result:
5.07.11
